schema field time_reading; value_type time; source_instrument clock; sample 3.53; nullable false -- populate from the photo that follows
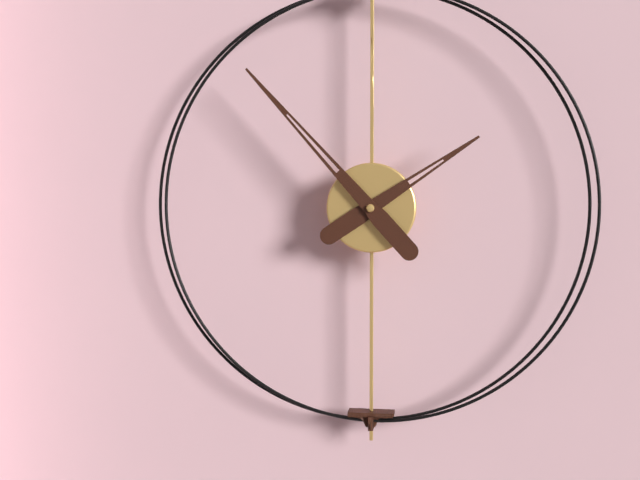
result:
1.53
